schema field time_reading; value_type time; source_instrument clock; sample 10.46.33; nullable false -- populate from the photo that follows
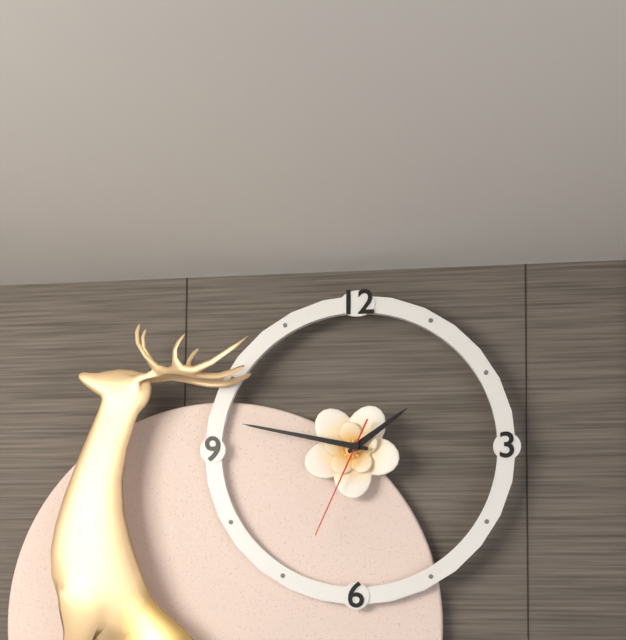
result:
1.47.34
